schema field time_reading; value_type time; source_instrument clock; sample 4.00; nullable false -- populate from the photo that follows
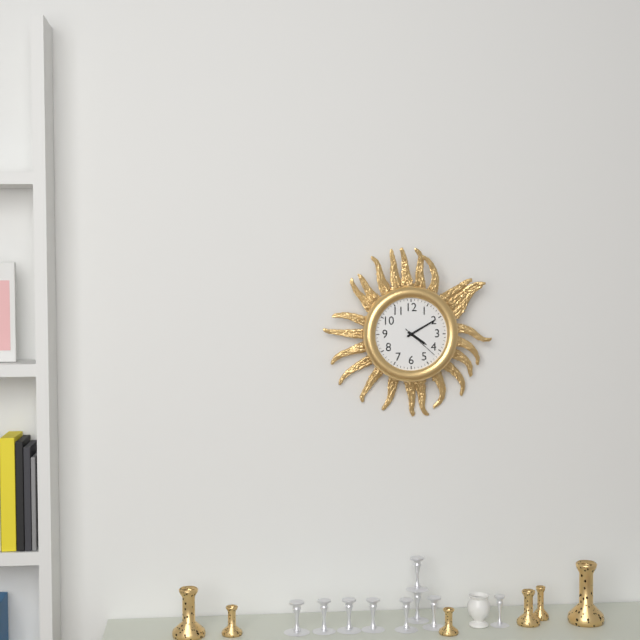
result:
4.10
